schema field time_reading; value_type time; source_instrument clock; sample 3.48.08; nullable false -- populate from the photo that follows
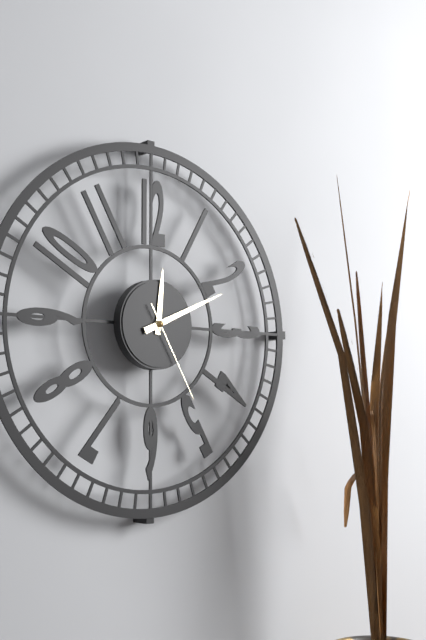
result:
12.11.25
